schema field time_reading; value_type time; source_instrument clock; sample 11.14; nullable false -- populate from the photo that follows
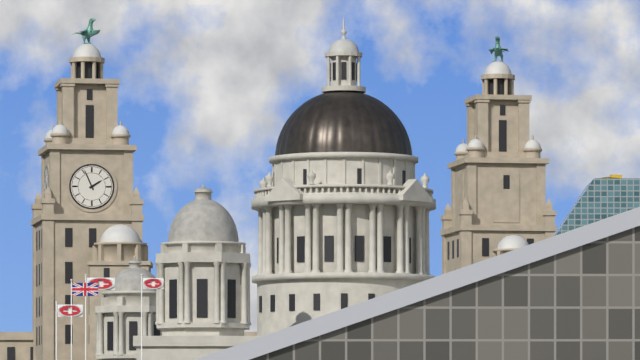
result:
1.56
